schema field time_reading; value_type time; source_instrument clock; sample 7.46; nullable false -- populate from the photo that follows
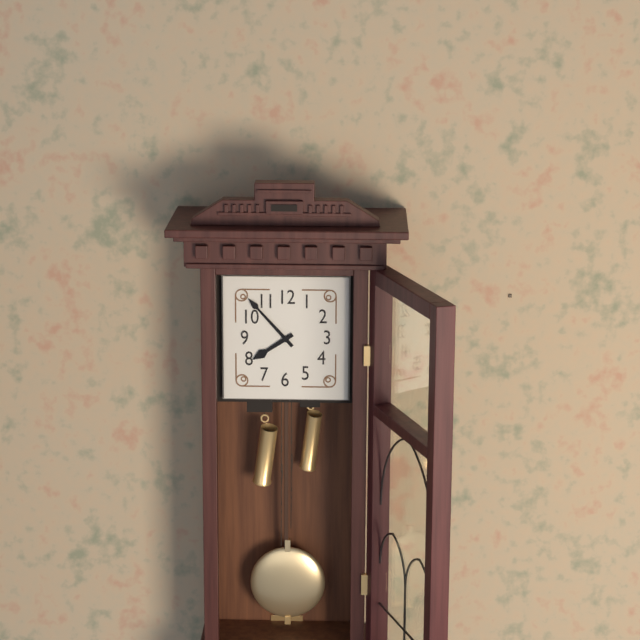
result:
7.53
